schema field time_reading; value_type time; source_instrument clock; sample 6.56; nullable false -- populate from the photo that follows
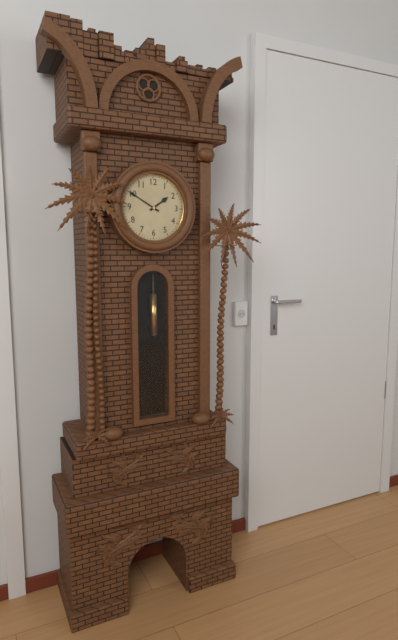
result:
1.50
